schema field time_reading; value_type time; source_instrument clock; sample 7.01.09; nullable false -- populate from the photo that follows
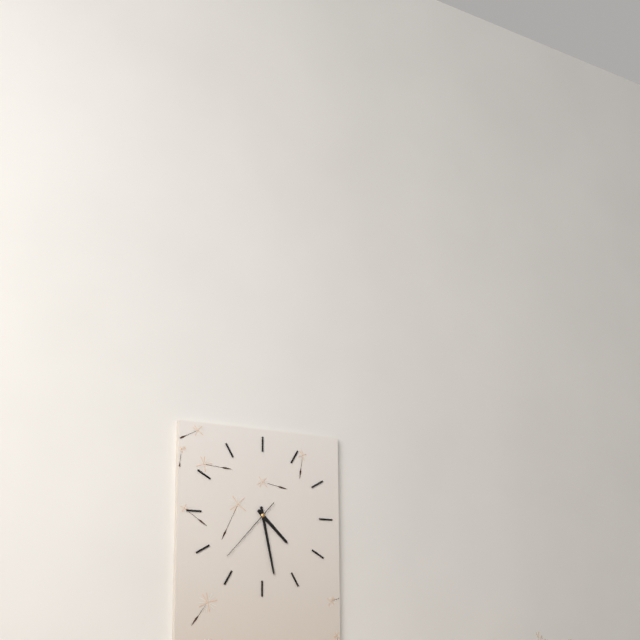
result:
4.28.37
